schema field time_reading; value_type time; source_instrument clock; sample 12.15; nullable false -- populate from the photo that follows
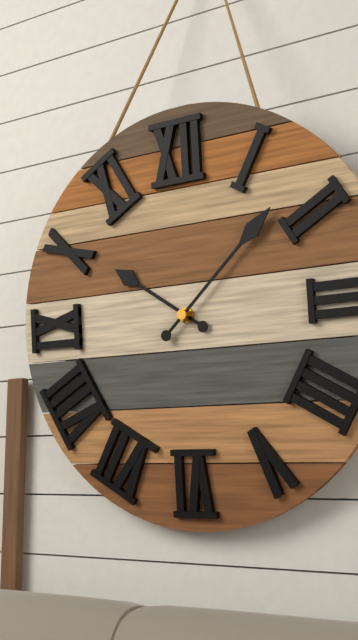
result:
10.08
